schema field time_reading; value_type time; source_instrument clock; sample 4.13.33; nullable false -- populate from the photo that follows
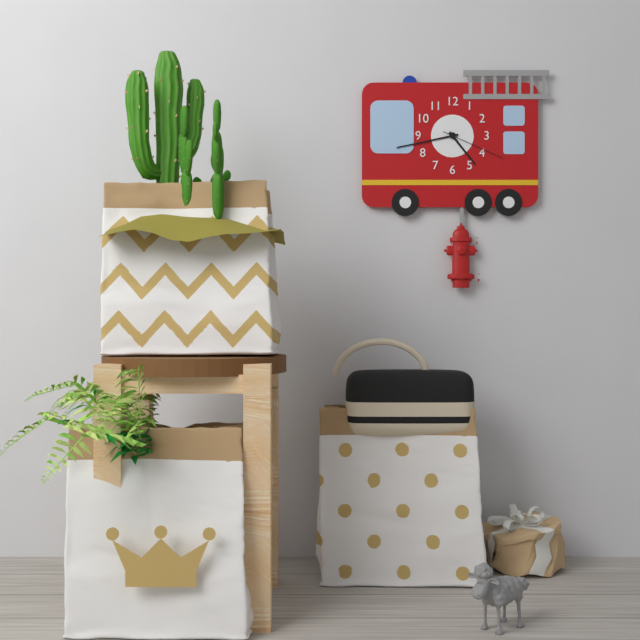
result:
4.43.19
